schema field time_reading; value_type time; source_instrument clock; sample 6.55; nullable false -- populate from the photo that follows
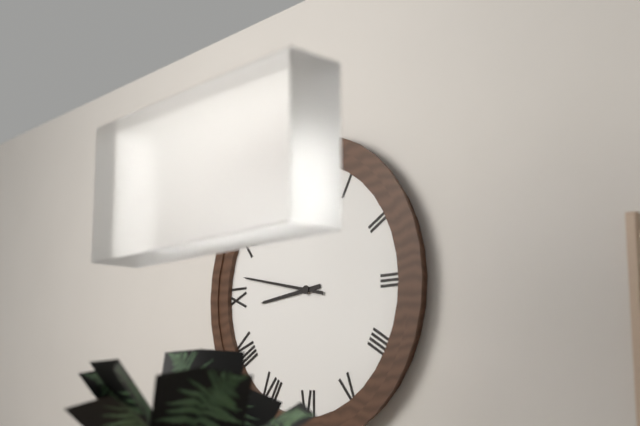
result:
8.47
